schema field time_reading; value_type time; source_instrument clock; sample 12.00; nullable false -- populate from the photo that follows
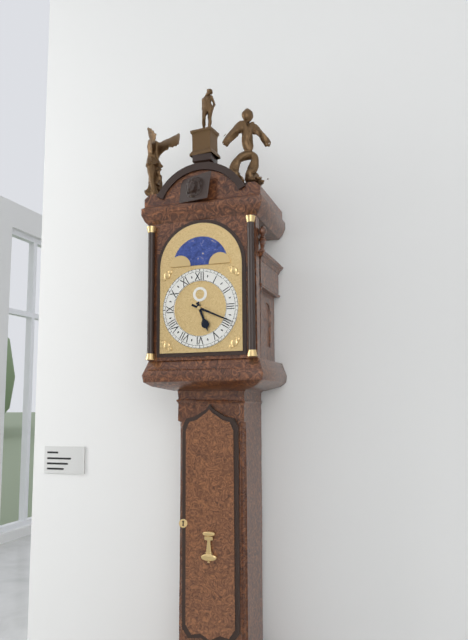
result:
5.19
